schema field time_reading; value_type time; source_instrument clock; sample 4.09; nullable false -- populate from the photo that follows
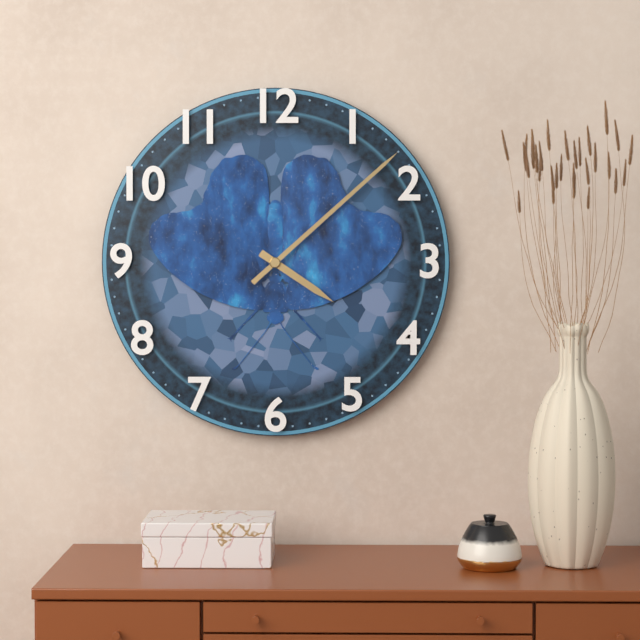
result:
4.08
